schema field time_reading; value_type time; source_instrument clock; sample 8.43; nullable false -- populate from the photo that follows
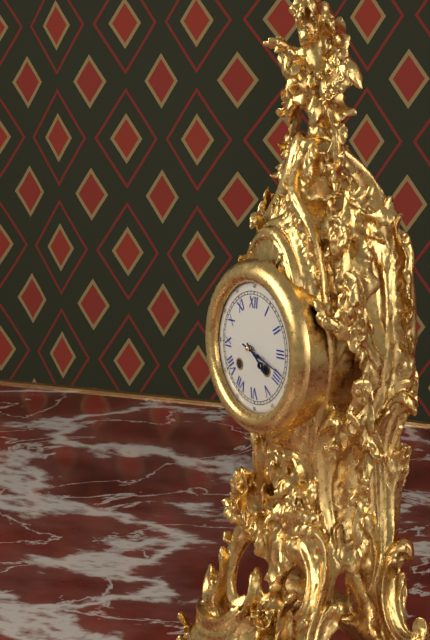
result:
4.18
